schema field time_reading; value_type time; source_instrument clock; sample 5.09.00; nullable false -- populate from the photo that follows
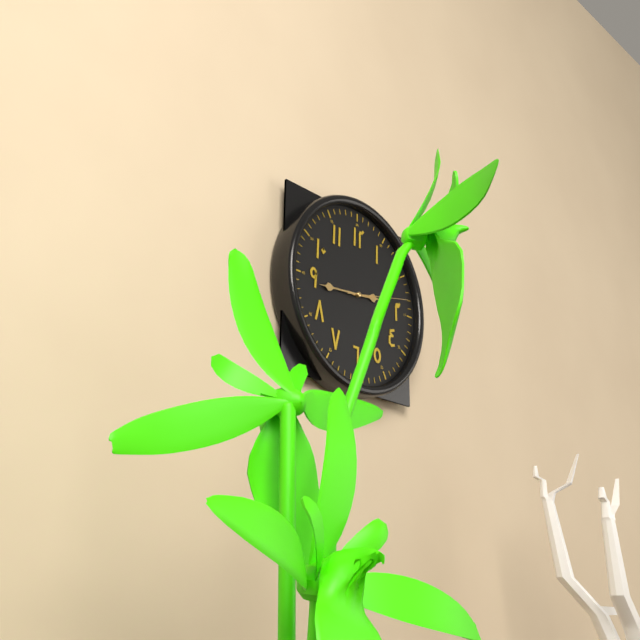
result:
2.44.13
